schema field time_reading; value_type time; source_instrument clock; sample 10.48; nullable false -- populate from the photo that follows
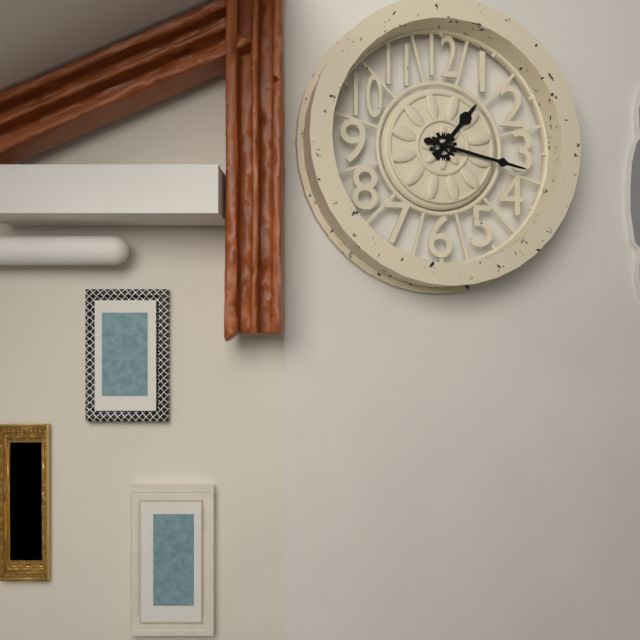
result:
1.17
